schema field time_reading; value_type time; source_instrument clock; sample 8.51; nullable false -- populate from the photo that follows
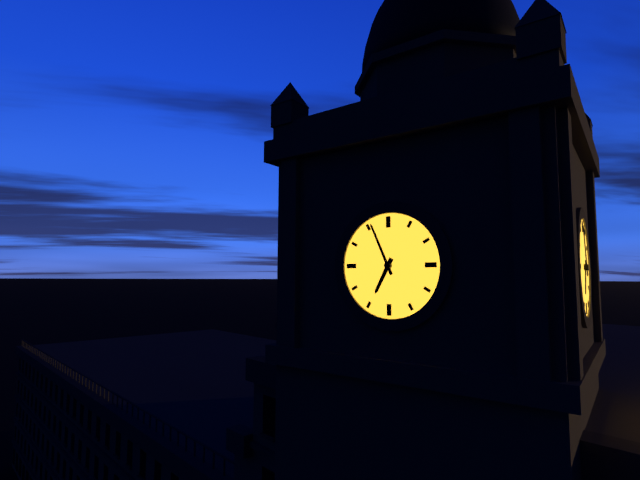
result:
6.56
